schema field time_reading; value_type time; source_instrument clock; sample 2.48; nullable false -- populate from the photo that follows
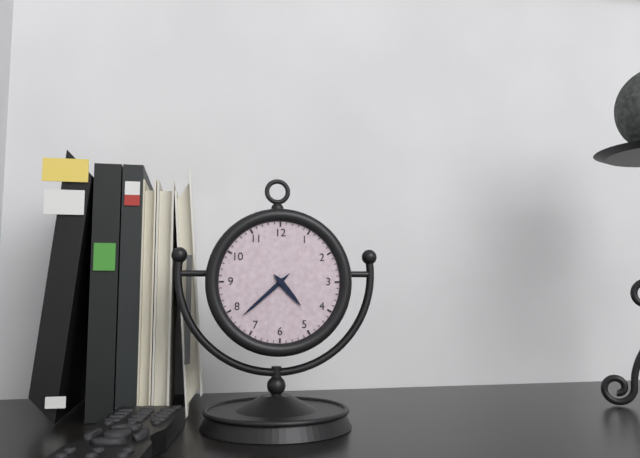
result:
4.38
